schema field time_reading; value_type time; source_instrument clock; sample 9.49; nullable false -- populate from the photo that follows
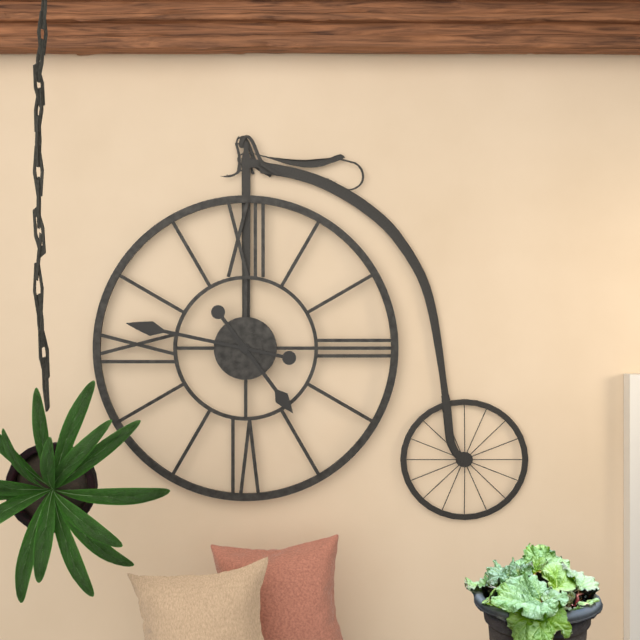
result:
4.47
